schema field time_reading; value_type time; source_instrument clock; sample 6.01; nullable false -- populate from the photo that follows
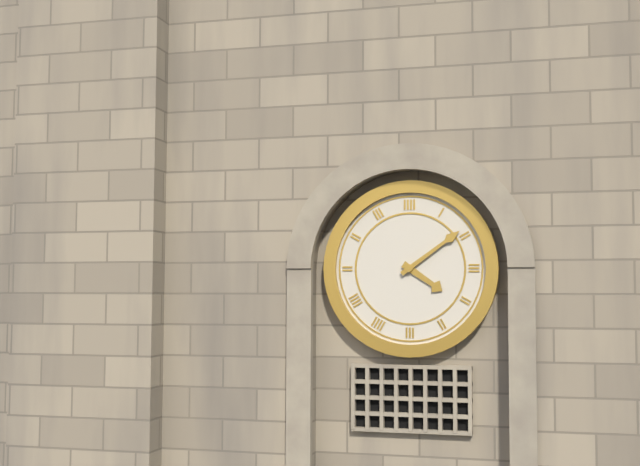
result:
4.09
